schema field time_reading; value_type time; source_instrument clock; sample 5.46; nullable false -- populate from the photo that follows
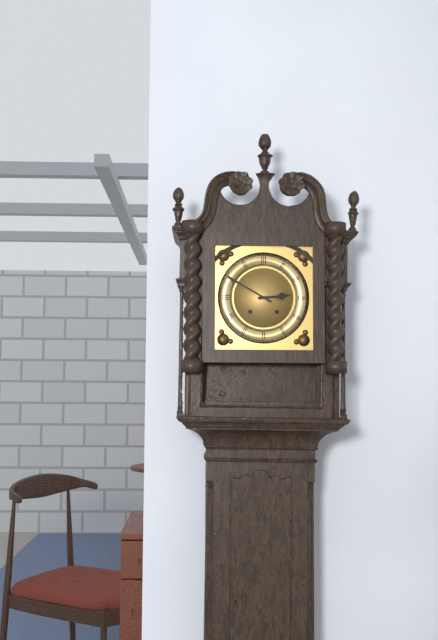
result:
2.50
